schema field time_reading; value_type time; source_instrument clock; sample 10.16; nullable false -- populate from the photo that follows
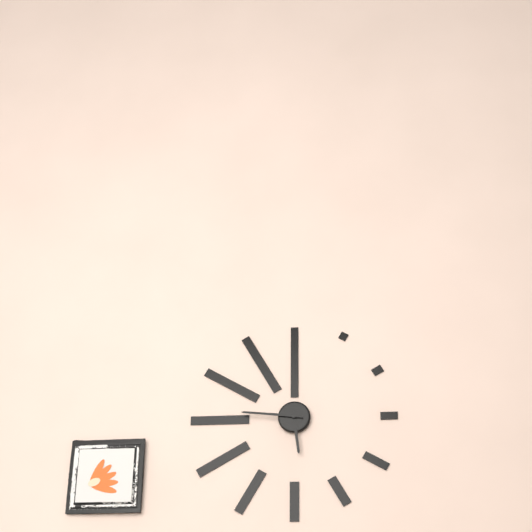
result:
5.46
